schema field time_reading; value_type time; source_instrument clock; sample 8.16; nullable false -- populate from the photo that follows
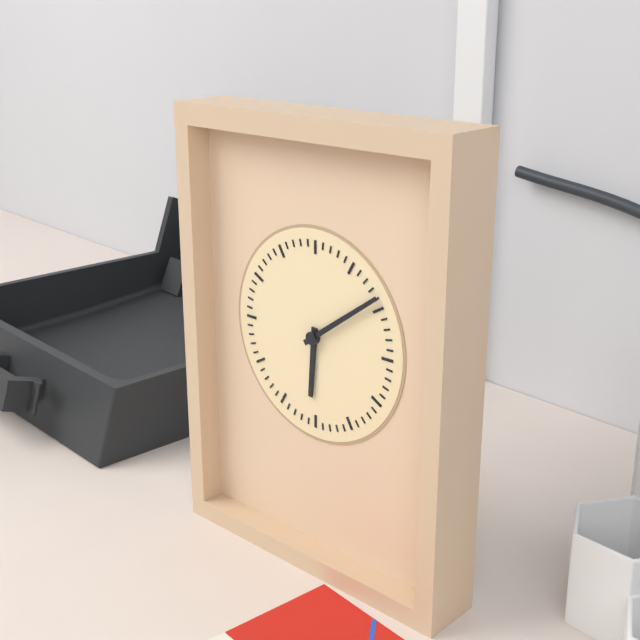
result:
6.09
